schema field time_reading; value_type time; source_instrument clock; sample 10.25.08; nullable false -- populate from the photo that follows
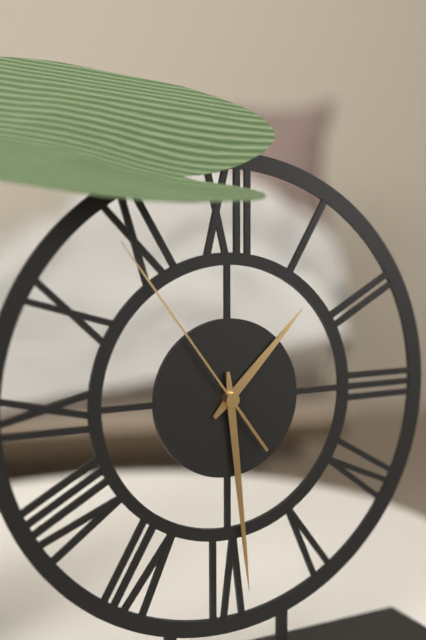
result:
1.29.54
